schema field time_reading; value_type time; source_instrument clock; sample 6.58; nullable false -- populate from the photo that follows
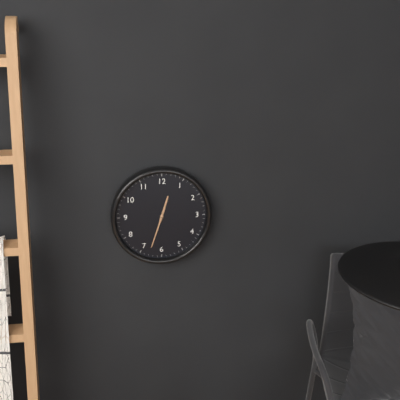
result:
12.33
